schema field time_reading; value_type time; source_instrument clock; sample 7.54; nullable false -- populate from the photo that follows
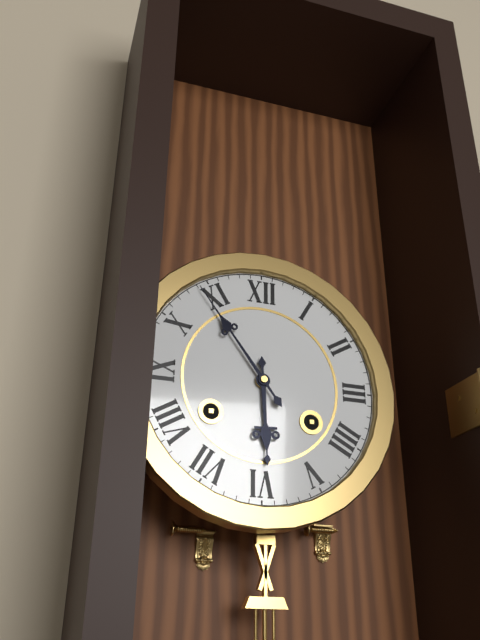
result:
5.54
